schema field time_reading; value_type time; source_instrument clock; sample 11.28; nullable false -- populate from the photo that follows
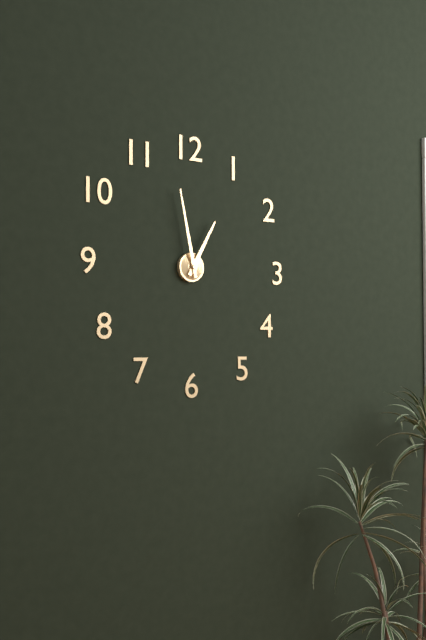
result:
12.58
